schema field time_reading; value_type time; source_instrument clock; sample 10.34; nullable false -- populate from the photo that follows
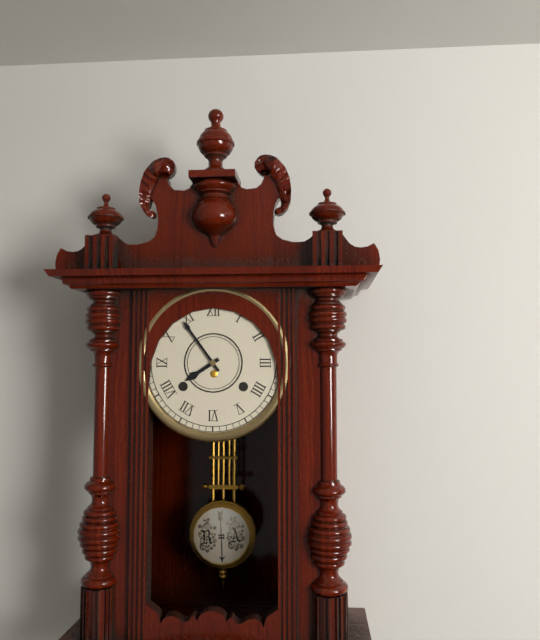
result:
7.54
